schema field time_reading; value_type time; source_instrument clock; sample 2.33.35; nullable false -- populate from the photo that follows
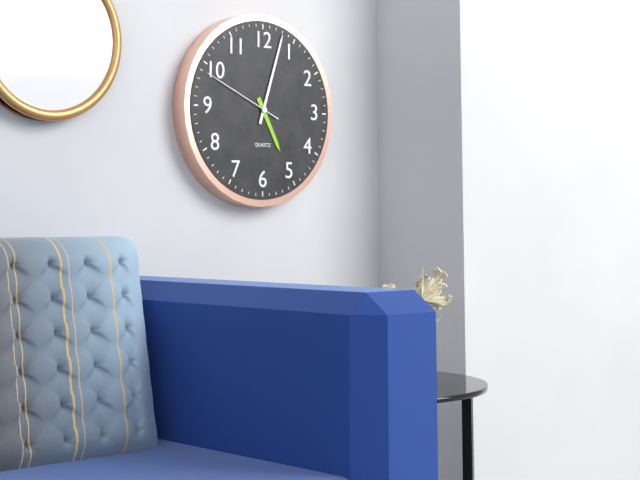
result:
5.03.49
